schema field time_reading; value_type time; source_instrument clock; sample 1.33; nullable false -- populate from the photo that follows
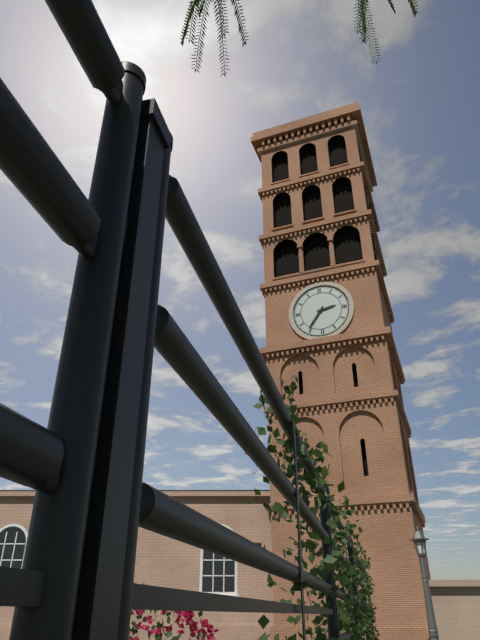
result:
2.36
